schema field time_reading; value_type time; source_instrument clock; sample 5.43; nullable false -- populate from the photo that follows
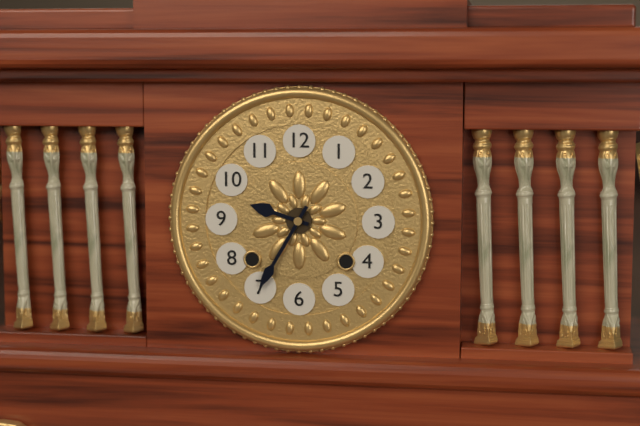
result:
9.35
